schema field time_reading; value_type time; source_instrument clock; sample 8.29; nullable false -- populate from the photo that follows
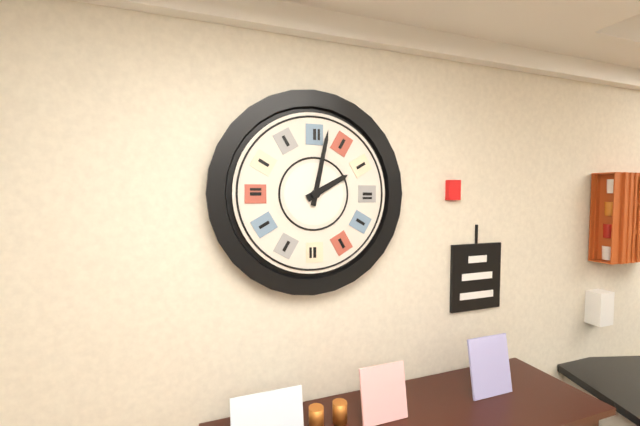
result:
2.02
